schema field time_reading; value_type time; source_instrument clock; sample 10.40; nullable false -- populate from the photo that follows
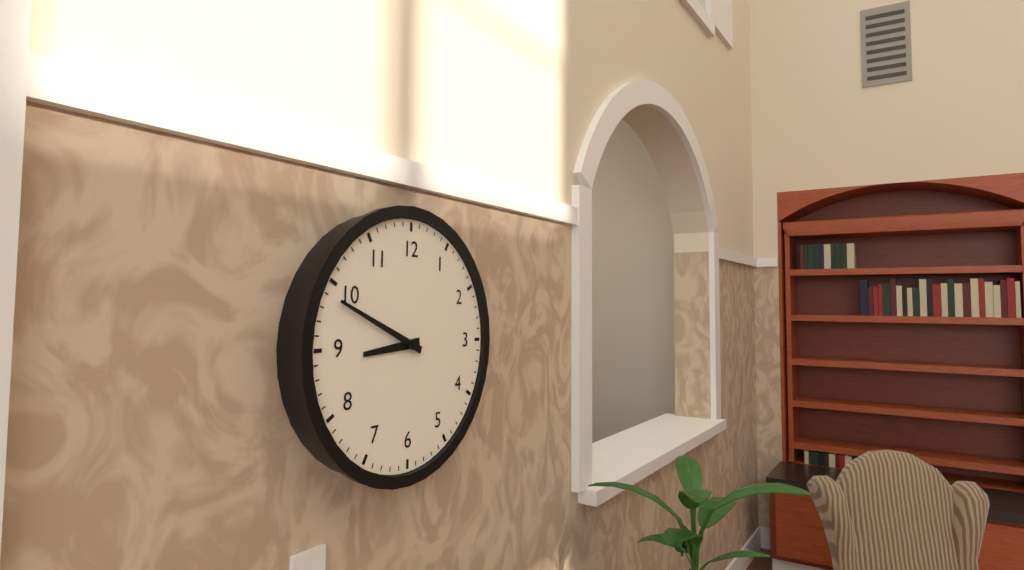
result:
8.49
